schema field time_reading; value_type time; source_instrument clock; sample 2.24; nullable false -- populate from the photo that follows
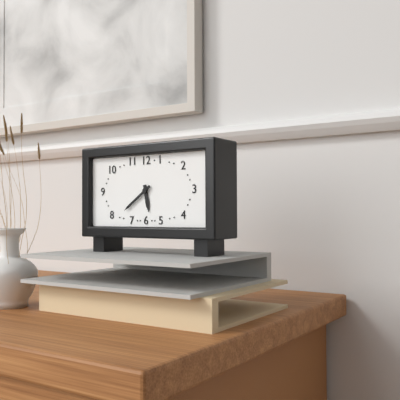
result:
5.39
